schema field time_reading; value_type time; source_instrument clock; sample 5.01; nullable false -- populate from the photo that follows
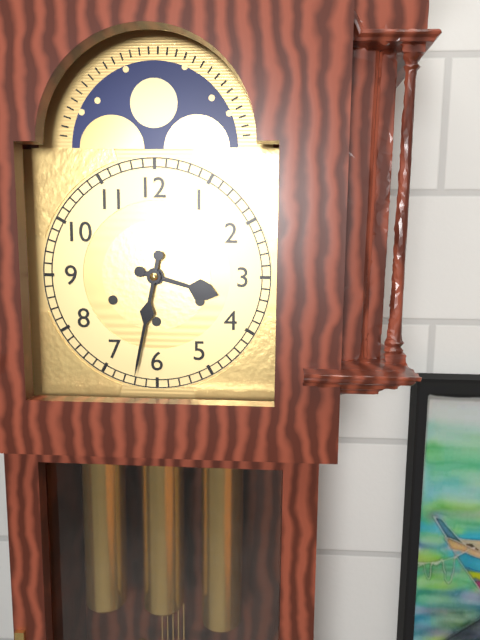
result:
3.32
